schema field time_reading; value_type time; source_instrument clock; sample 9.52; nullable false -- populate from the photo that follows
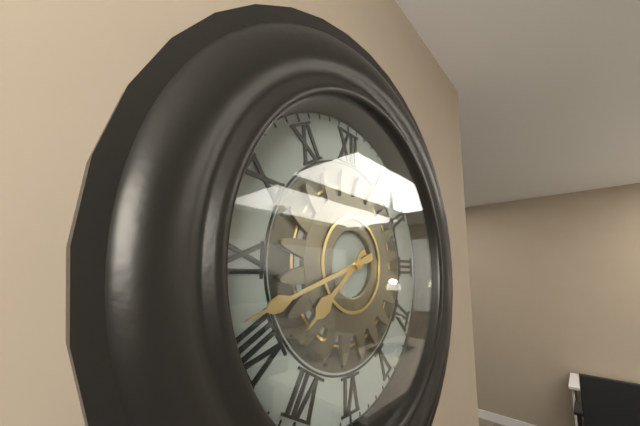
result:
7.42
